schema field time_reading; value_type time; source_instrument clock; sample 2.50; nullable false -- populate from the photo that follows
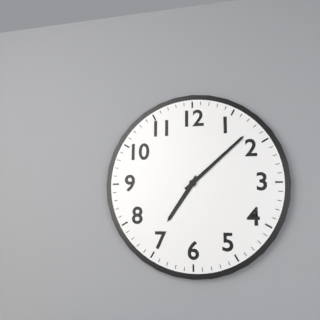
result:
7.08
